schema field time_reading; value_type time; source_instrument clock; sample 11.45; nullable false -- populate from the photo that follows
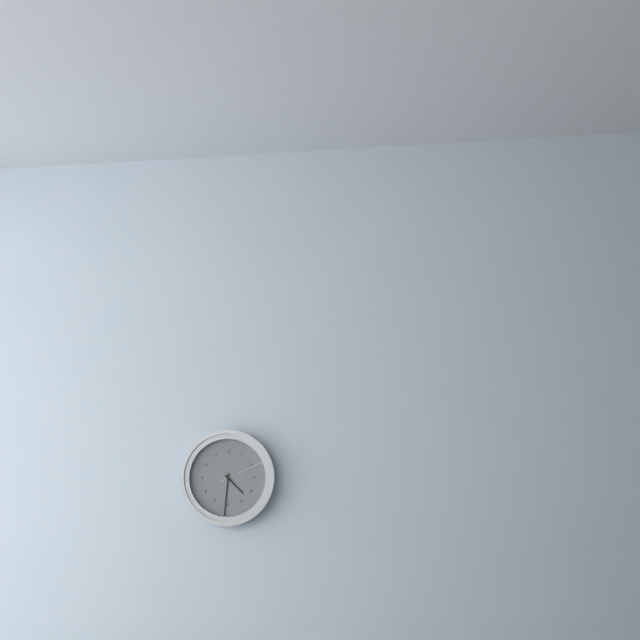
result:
4.31
